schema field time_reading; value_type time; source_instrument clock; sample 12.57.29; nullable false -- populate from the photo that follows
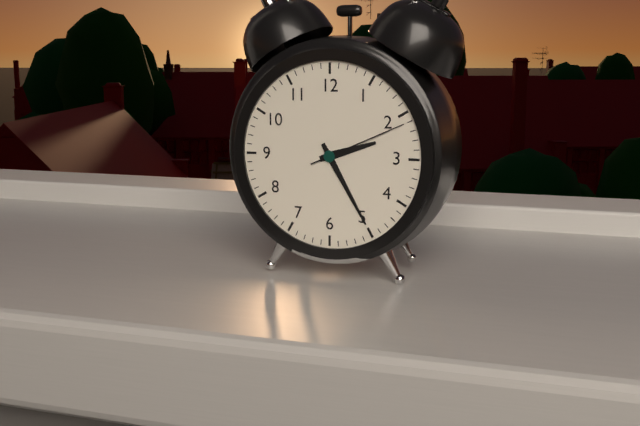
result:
2.25.11
